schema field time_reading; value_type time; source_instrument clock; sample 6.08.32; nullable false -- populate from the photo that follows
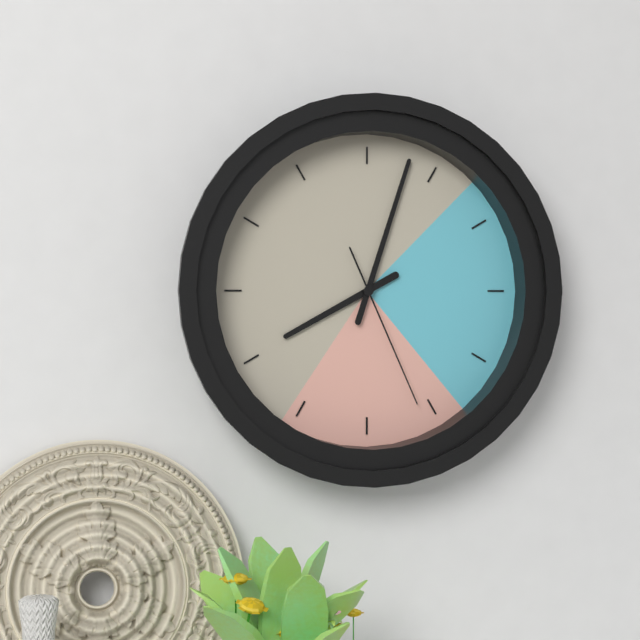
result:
8.03.26
